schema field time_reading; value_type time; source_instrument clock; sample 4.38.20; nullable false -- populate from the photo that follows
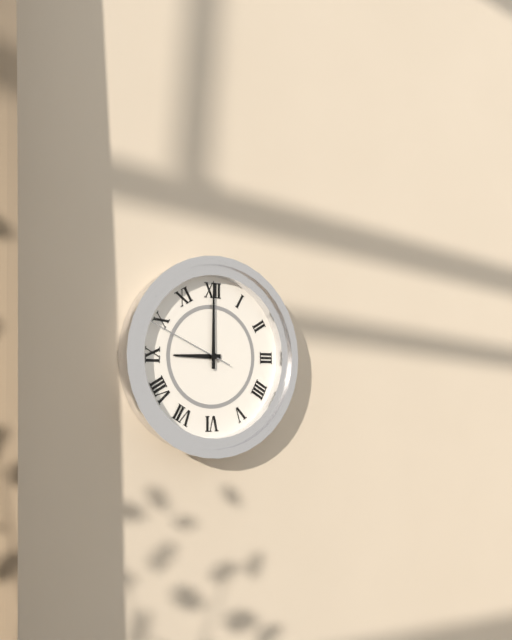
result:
9.00.49
